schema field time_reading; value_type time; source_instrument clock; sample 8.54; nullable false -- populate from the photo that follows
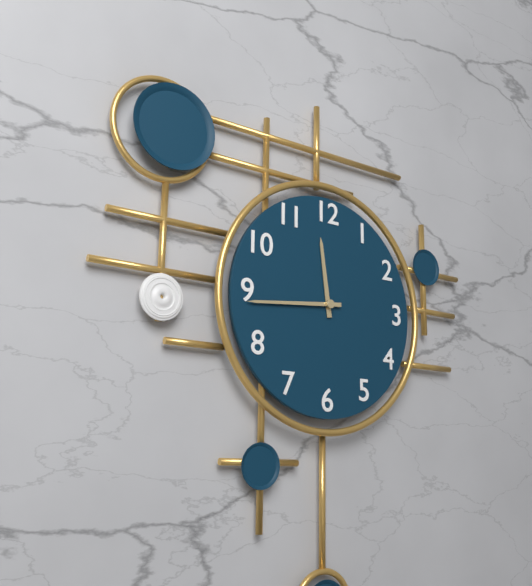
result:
11.44
